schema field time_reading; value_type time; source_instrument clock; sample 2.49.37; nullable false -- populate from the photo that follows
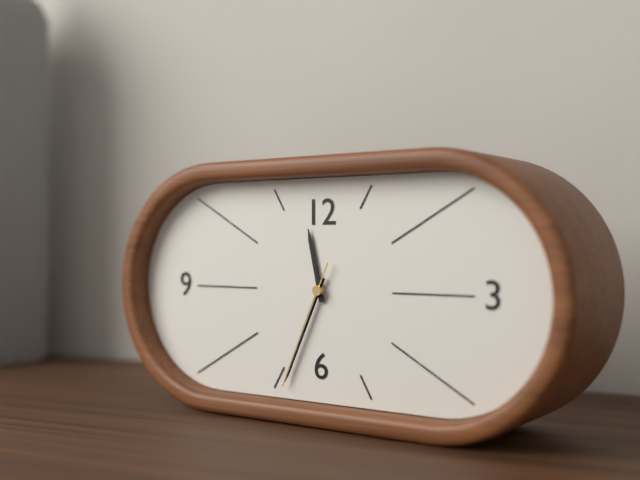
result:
11.34.34
